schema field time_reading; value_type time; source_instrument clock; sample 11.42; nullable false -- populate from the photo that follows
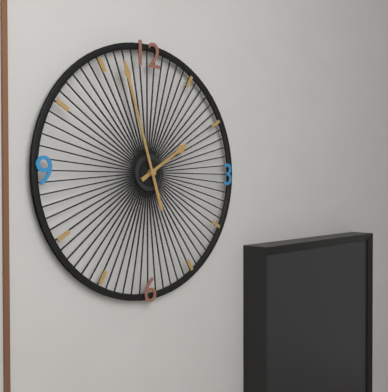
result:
1.57
